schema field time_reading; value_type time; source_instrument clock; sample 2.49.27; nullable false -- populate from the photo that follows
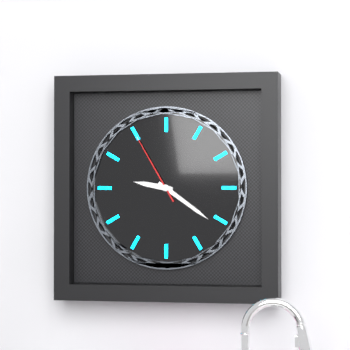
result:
9.21.55
